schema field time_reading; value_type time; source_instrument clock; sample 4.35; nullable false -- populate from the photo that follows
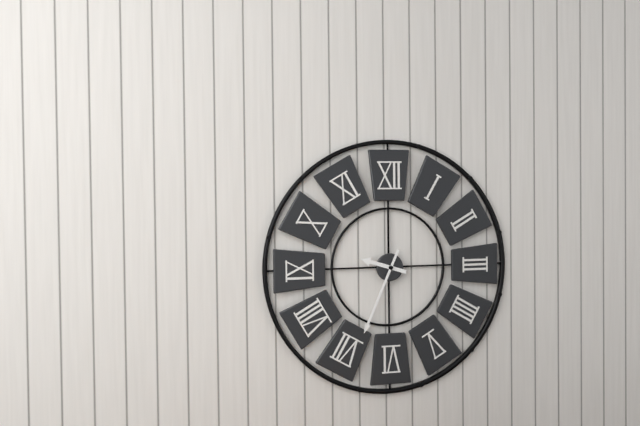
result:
9.34
